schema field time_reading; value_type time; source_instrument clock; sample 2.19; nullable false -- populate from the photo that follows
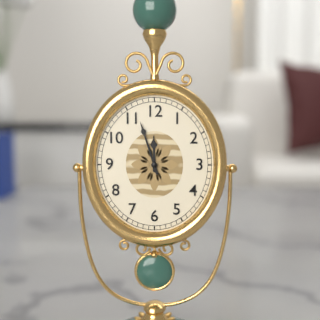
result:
11.57
